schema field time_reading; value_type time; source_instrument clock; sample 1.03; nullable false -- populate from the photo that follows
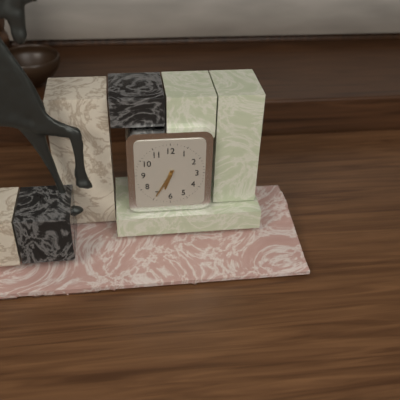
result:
6.35
